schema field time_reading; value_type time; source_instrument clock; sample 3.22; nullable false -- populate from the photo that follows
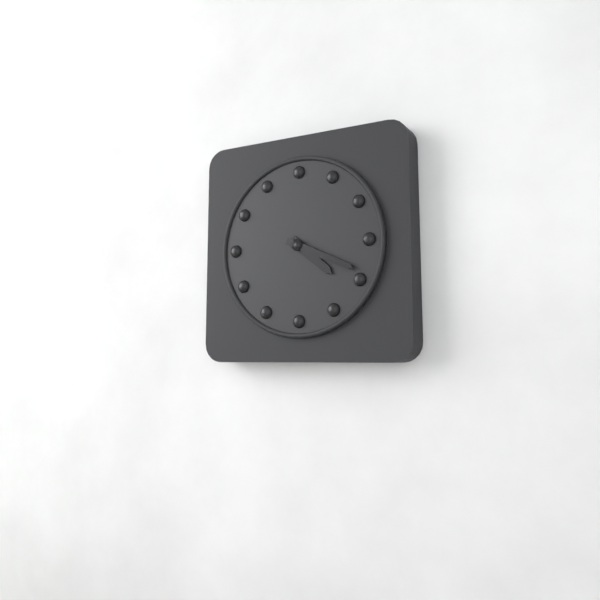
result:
4.19
